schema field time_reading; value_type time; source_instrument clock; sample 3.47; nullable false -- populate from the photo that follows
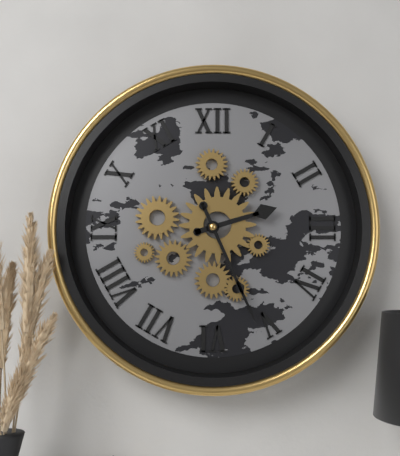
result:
2.26
